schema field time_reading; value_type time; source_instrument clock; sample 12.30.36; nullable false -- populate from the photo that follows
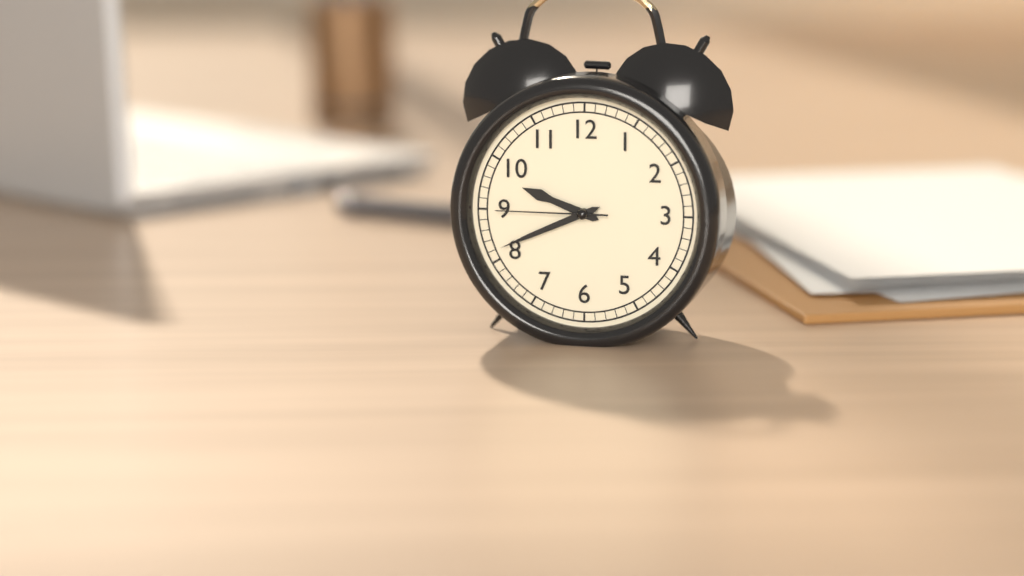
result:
9.41.45
